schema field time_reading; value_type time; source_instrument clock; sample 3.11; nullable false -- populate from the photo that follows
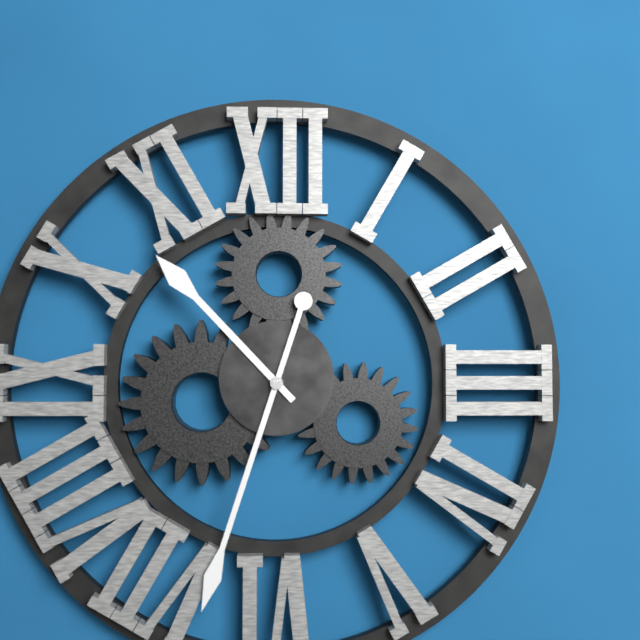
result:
10.33
